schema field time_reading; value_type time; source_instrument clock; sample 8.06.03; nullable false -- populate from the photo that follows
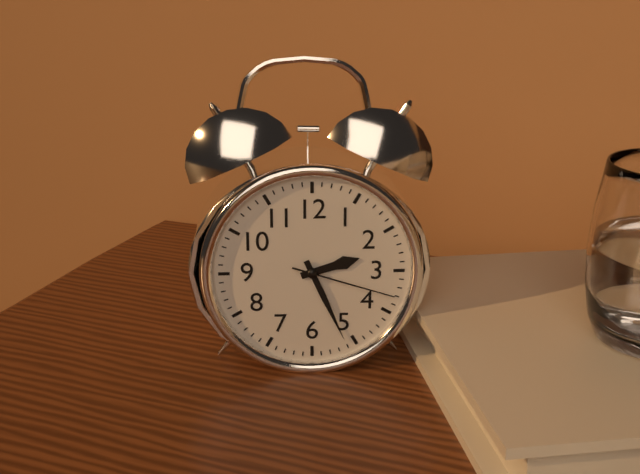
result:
2.26.18
